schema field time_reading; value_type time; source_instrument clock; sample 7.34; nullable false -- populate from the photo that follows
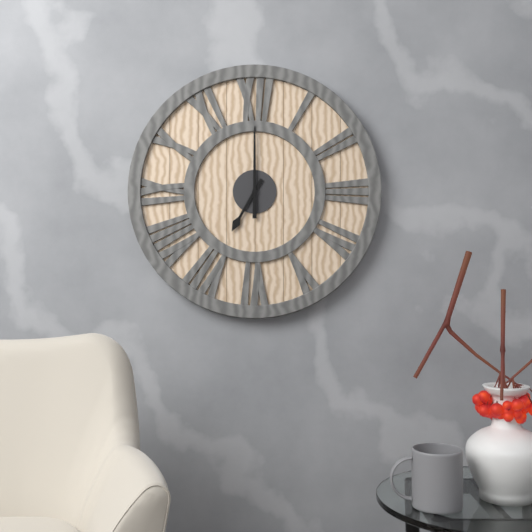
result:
7.00
